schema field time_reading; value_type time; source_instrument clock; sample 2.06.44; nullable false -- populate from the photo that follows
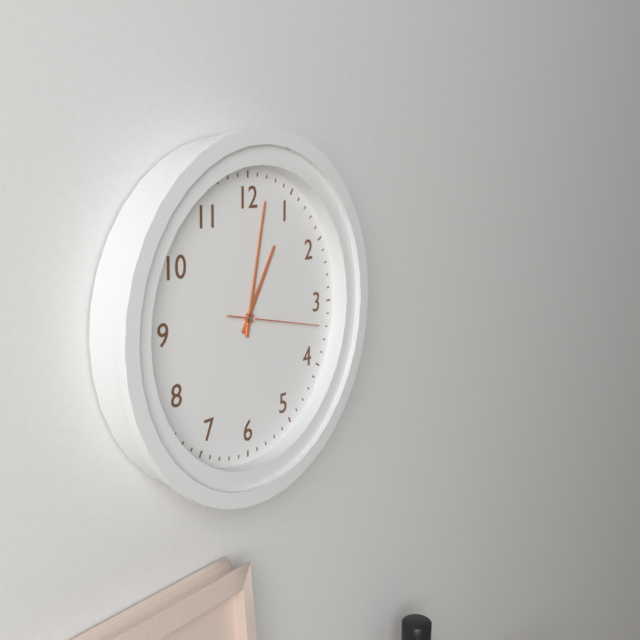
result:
1.02.17
